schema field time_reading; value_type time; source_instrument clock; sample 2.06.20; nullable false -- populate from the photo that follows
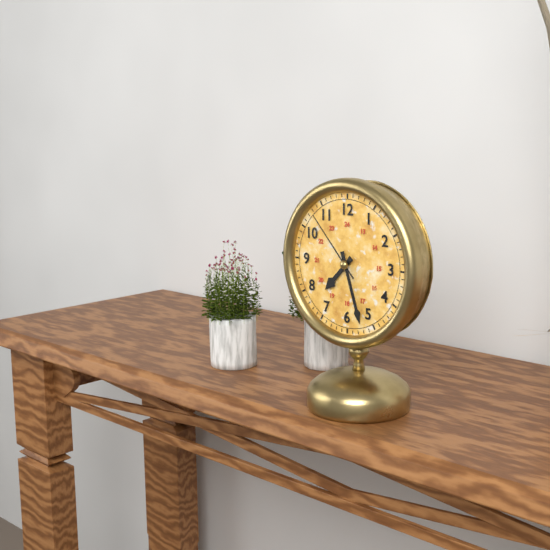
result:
7.27.53
